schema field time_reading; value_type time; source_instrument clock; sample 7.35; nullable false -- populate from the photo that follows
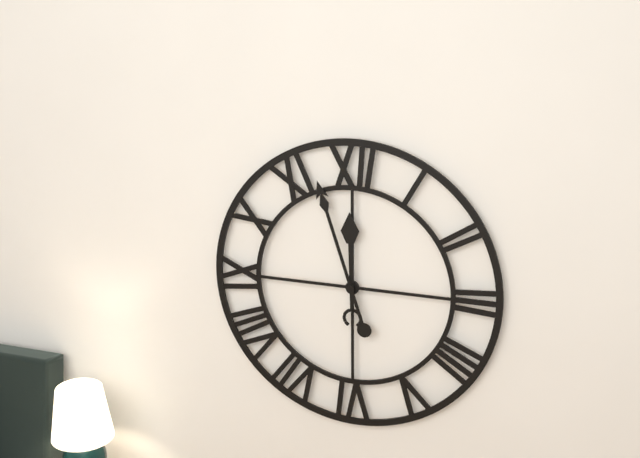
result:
11.57
